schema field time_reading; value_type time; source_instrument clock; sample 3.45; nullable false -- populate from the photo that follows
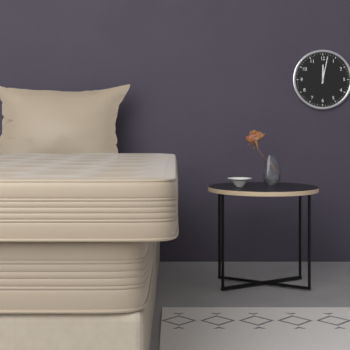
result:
12.02
